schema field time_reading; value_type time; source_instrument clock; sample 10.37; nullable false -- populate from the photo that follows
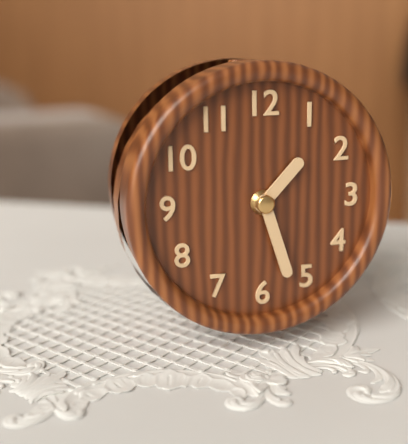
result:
1.27
